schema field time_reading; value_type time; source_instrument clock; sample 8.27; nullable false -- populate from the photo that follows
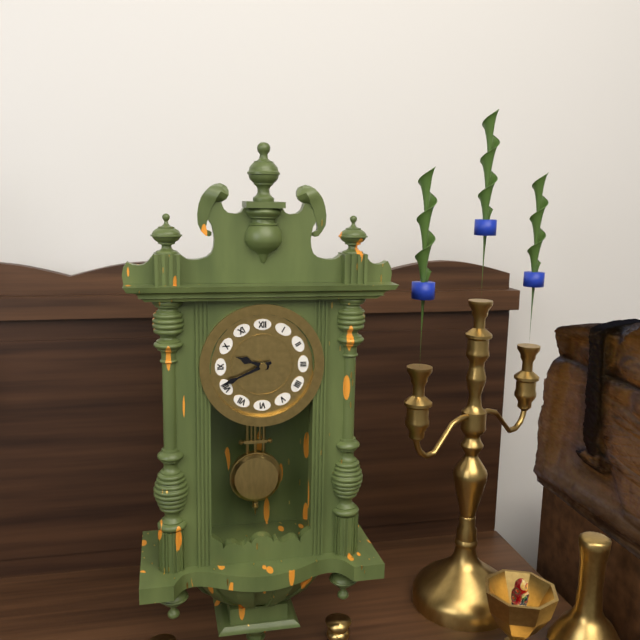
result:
9.41
